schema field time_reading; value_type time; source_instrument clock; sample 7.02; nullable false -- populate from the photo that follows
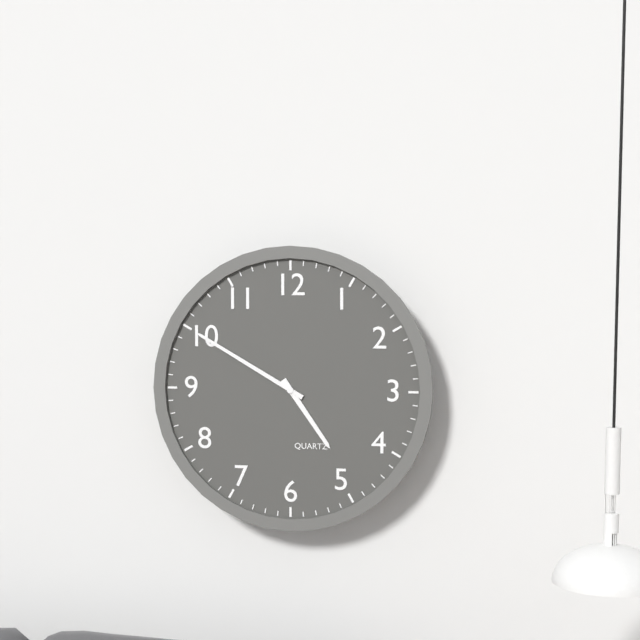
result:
4.50
